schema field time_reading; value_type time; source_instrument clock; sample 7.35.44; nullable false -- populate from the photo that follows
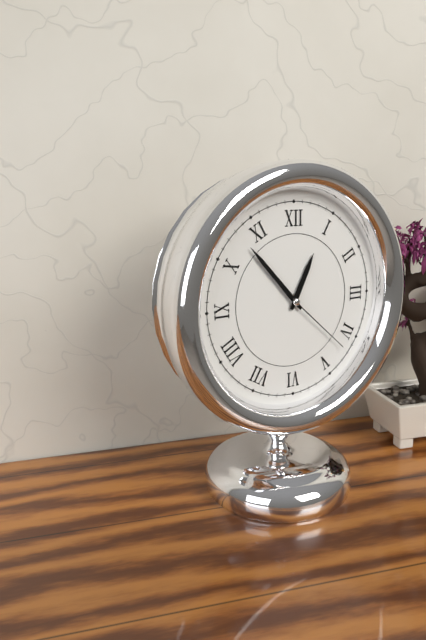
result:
12.53.22
